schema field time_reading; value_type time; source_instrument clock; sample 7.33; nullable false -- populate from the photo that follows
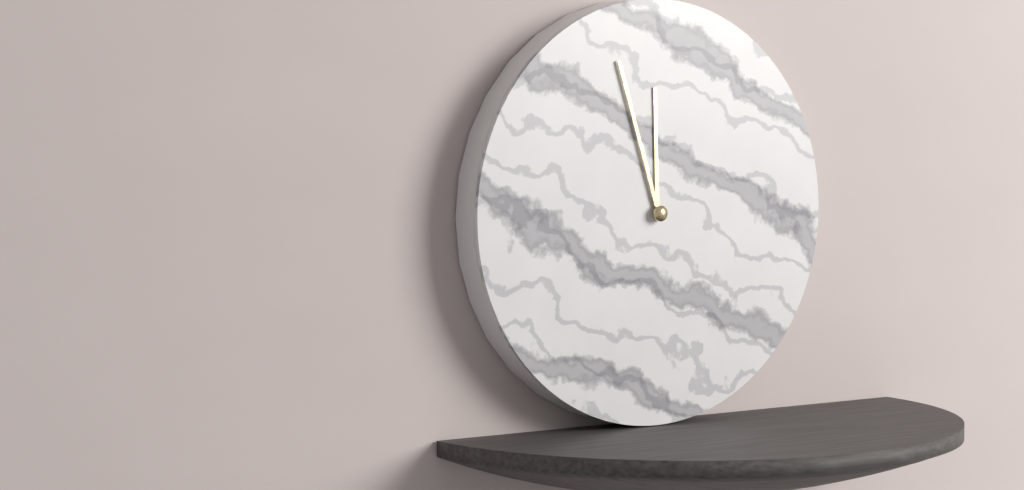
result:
11.57
